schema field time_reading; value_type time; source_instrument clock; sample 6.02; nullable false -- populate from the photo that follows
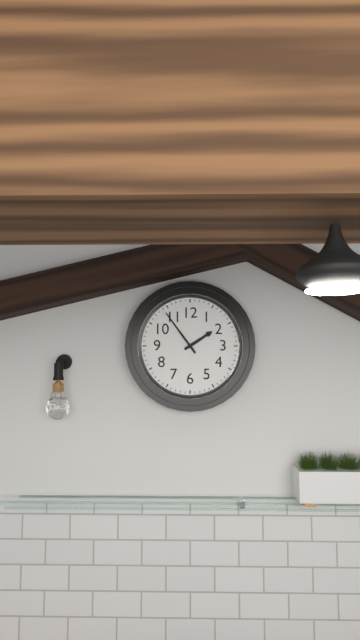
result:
1.54
